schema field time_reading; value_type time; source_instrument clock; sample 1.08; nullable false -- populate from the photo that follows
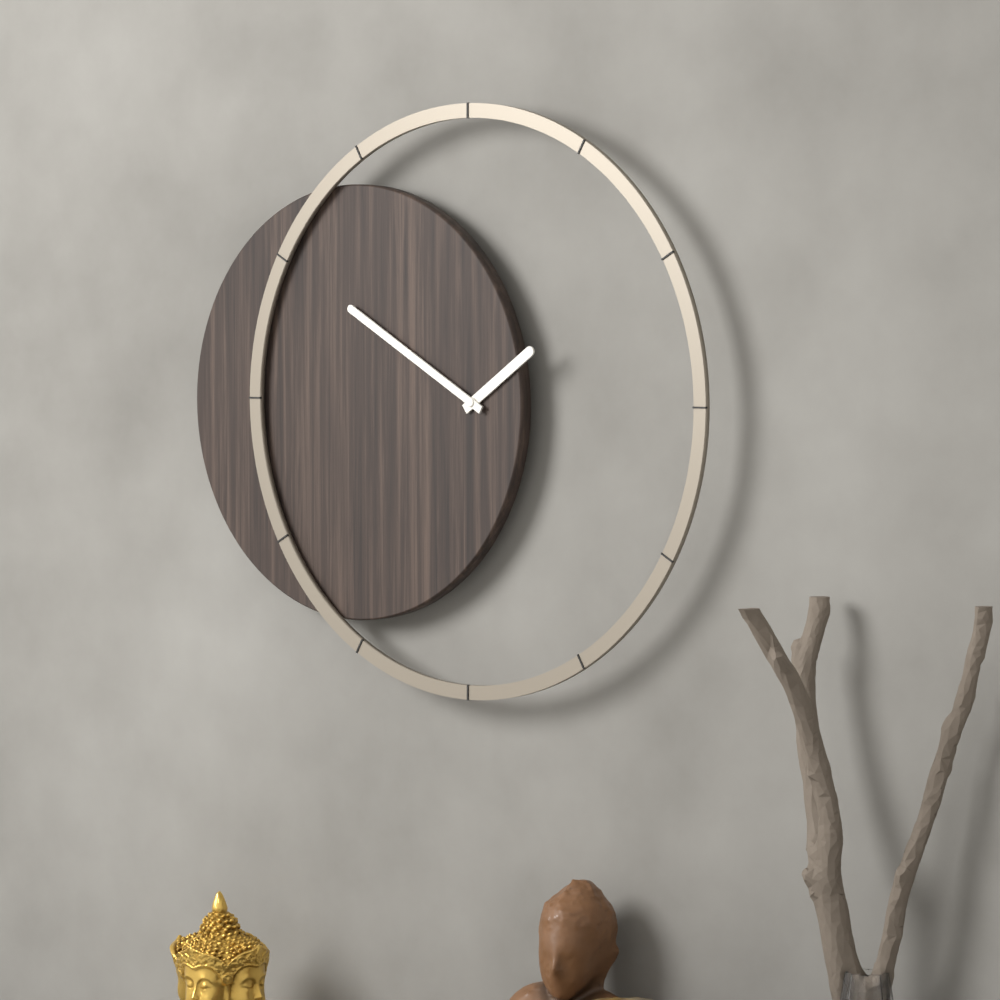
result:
1.50
